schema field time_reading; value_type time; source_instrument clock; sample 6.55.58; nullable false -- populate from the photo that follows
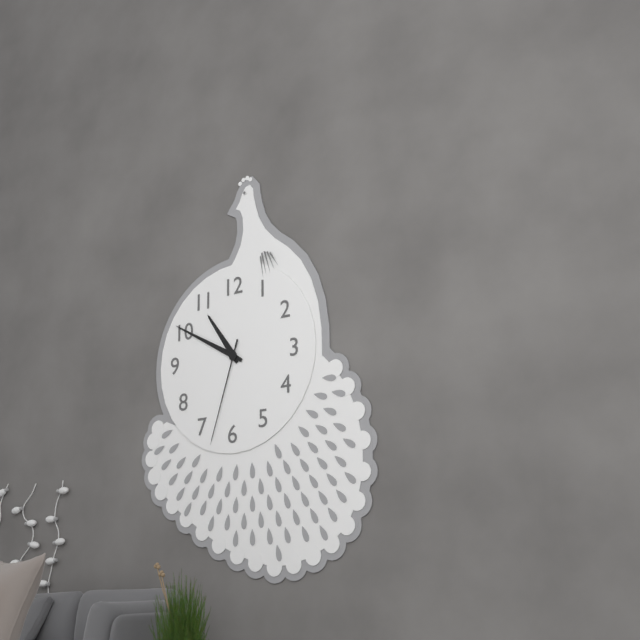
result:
10.50.33
